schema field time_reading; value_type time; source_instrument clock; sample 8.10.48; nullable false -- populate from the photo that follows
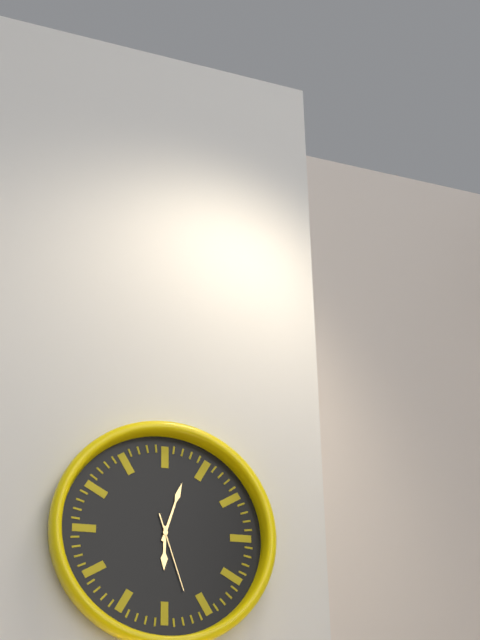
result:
6.03.27
